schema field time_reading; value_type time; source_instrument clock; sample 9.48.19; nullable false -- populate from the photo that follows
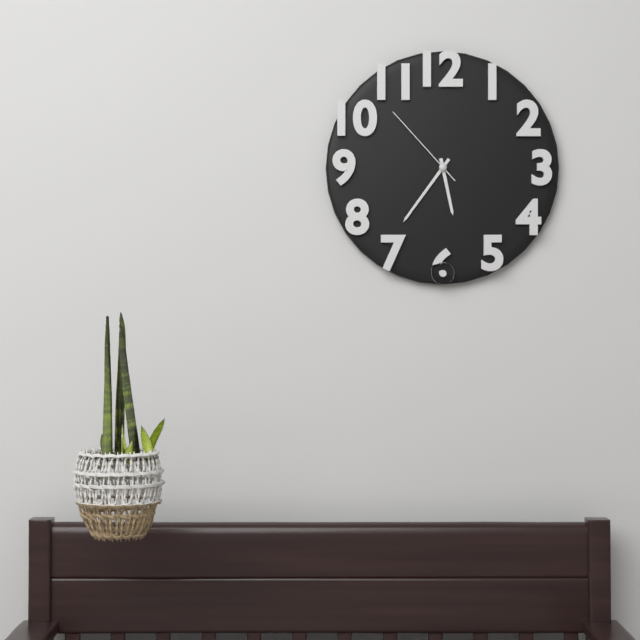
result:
5.36.53
